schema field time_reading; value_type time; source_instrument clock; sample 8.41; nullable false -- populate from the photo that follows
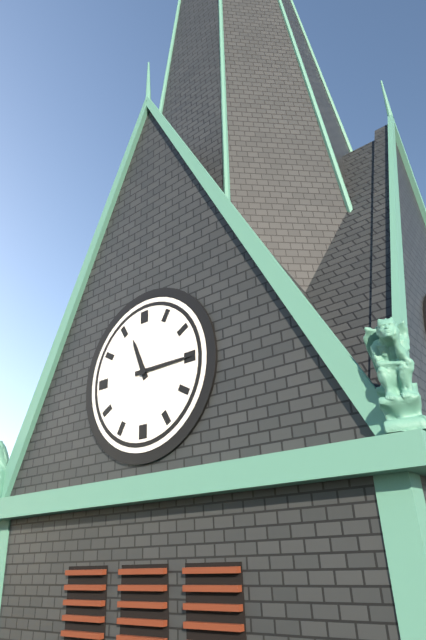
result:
11.15
